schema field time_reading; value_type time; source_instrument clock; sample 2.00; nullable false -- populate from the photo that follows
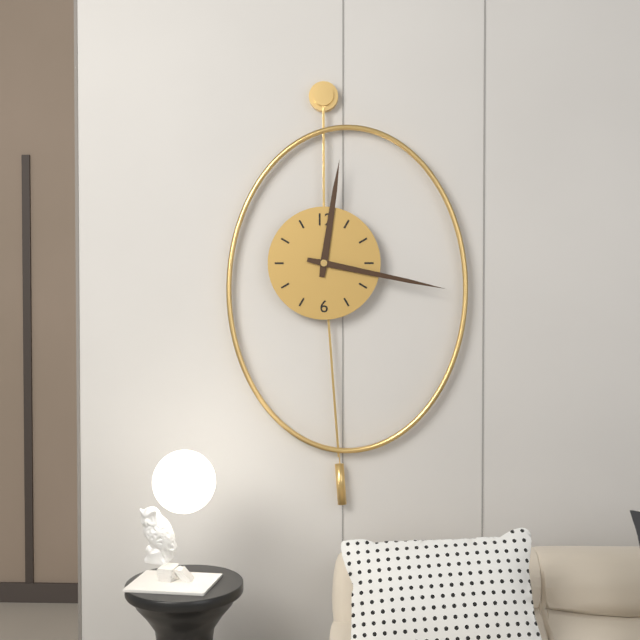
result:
12.17
